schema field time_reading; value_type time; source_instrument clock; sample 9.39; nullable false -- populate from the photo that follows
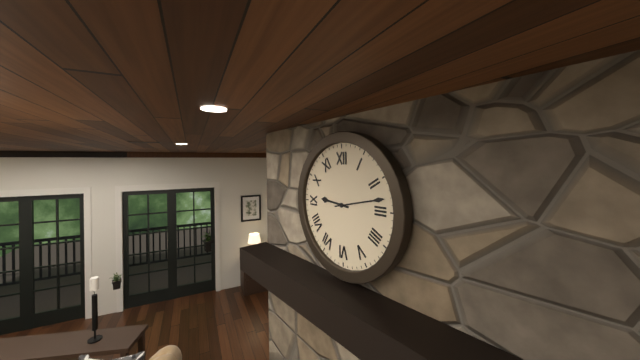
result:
9.13
